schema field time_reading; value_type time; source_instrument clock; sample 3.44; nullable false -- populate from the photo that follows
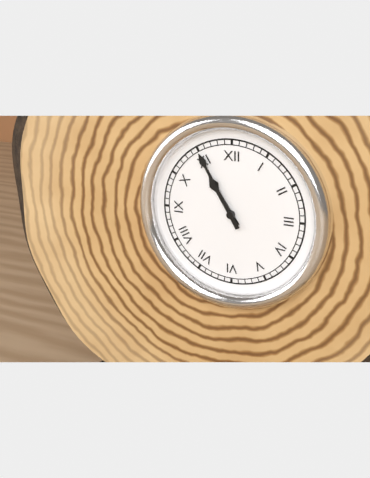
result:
10.55
